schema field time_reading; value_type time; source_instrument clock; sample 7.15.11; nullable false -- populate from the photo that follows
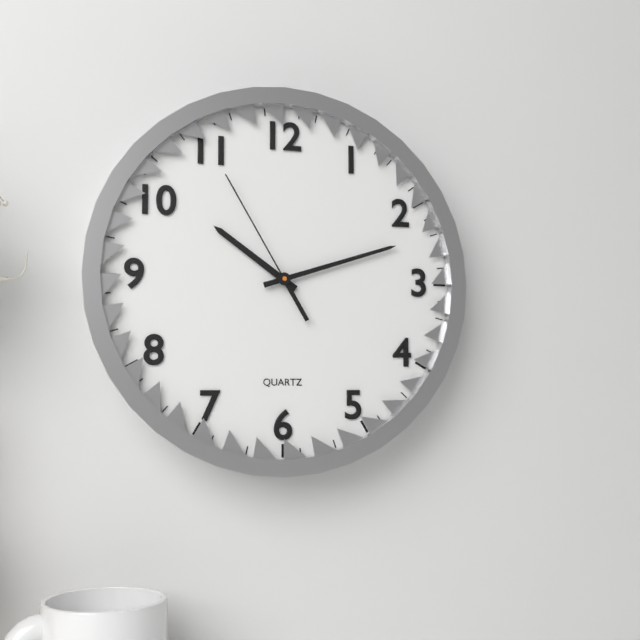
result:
10.12.55
